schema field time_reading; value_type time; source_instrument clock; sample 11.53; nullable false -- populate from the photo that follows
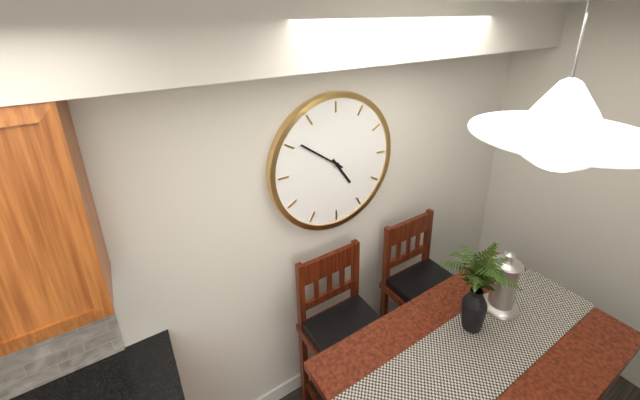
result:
4.51
